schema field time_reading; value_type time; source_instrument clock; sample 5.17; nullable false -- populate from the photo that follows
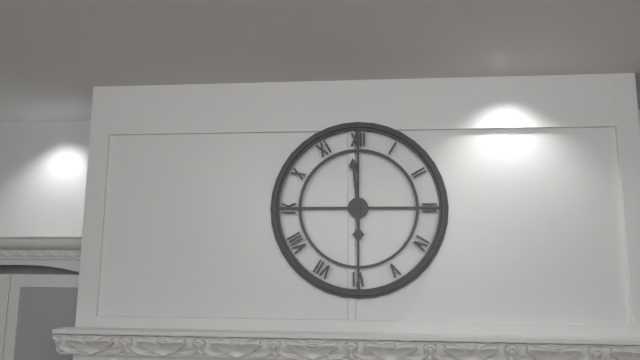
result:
5.59
